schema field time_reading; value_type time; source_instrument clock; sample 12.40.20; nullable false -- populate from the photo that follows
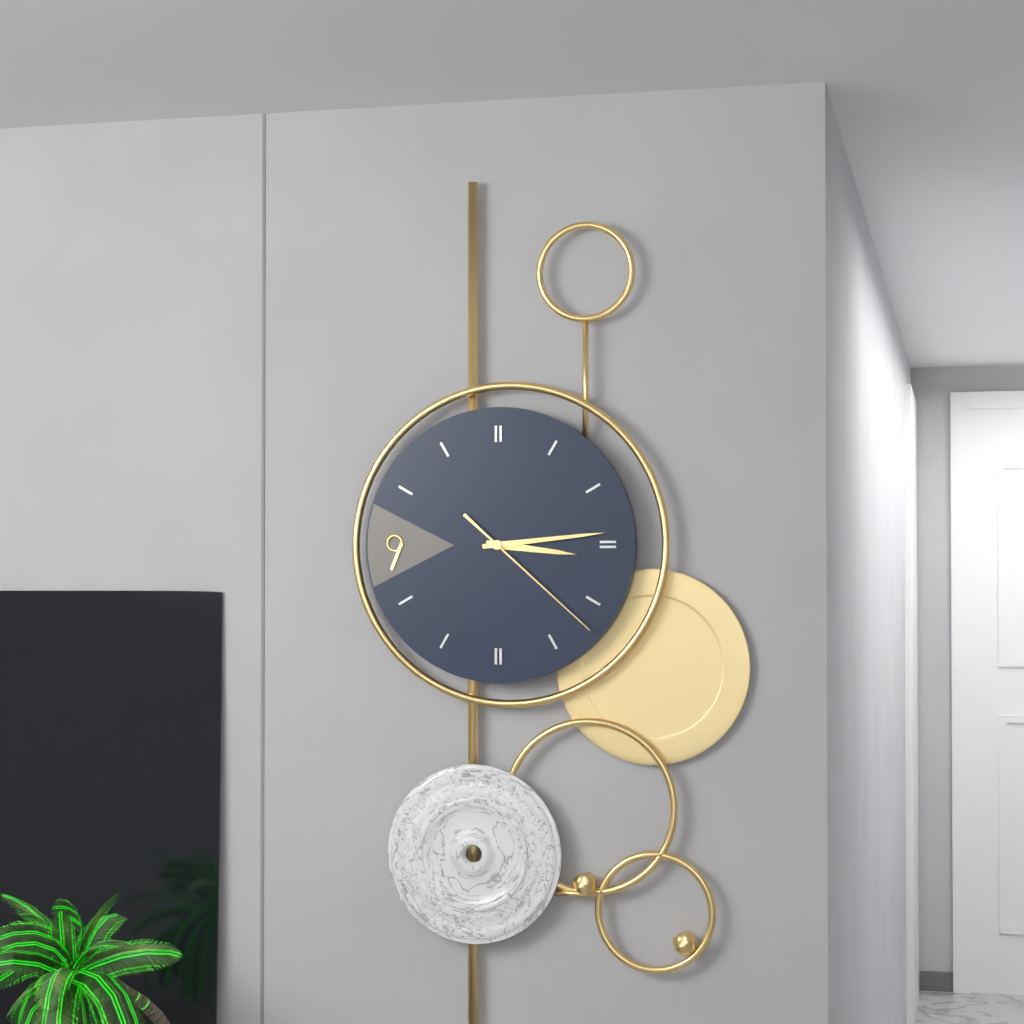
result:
3.14.22
